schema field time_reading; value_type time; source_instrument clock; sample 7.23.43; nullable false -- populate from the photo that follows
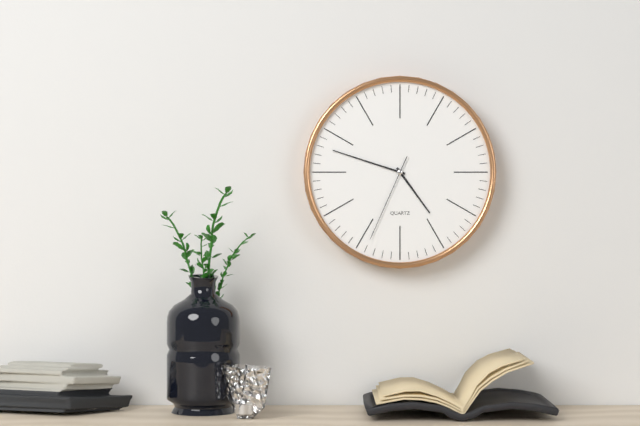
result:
4.48.34
